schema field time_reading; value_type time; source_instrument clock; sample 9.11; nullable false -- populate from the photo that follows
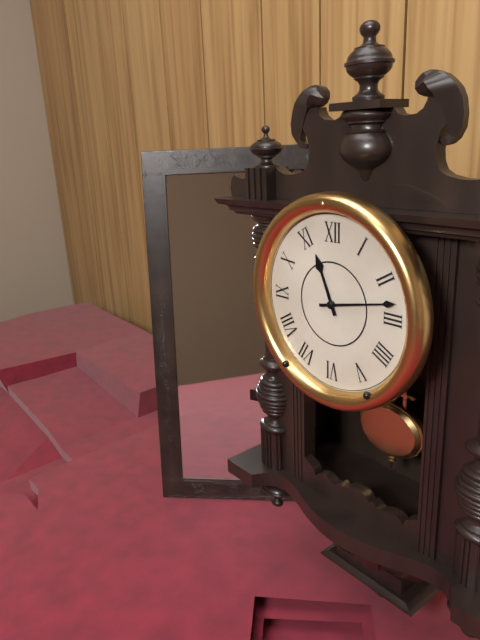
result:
11.13
